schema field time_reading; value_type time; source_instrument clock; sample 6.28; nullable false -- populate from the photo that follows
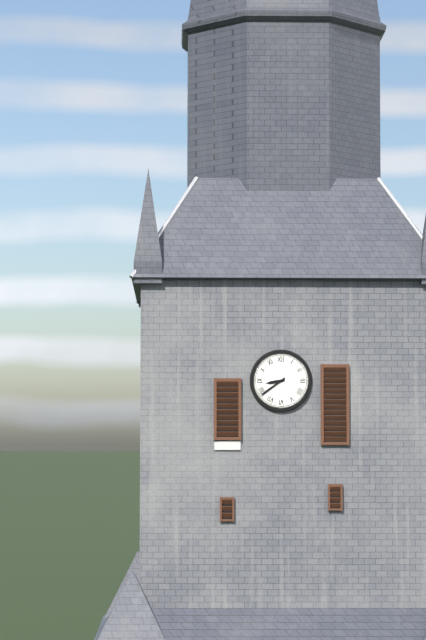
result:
8.39
